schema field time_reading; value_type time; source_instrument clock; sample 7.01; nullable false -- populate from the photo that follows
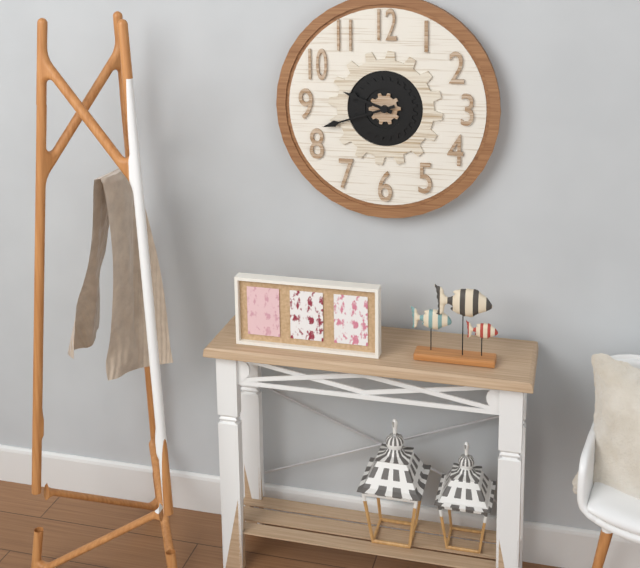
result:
9.42
